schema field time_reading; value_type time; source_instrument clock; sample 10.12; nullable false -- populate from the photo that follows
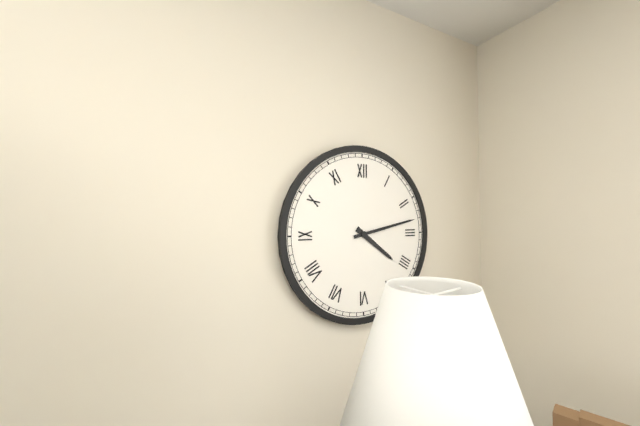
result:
4.13
